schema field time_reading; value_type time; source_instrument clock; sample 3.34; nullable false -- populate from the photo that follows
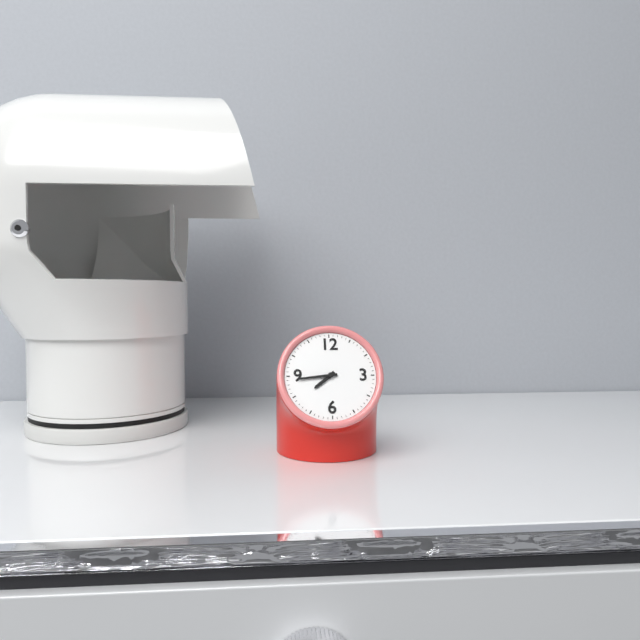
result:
7.44
